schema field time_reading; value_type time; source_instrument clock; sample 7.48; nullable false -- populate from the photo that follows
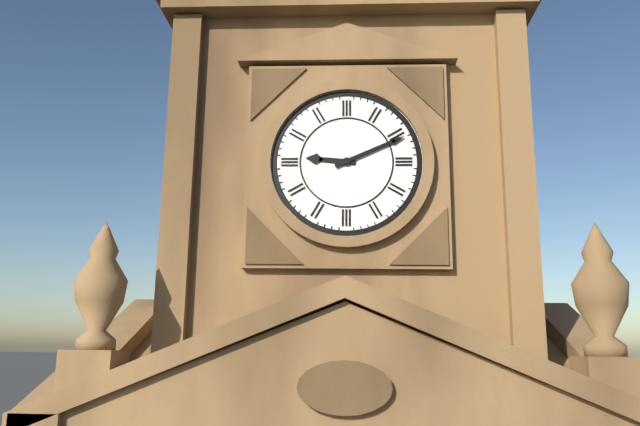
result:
9.11
